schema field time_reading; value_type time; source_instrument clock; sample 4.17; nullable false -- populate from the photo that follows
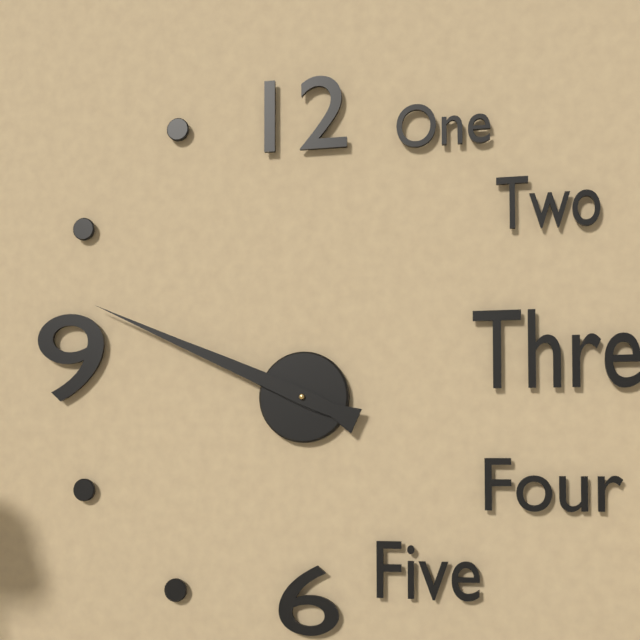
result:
9.49
